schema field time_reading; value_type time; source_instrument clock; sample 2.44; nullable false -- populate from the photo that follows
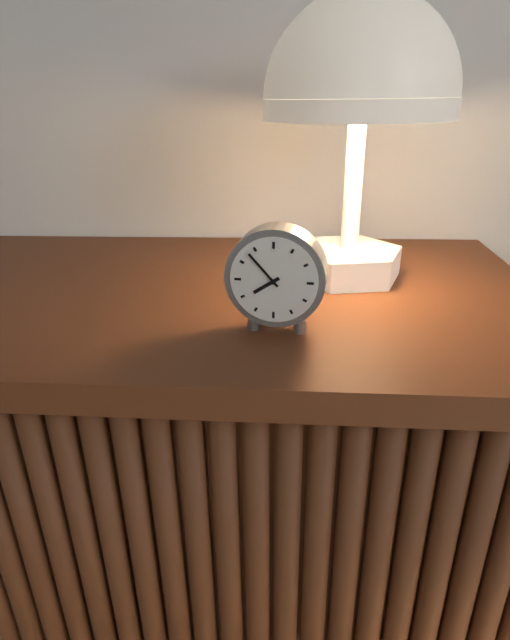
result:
7.53
